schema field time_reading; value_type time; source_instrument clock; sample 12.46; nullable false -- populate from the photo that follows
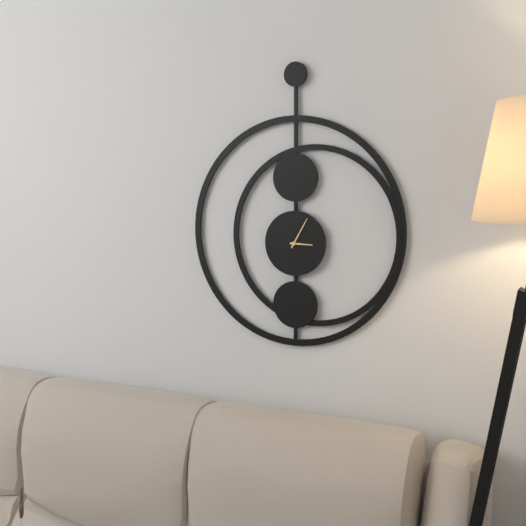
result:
3.05
